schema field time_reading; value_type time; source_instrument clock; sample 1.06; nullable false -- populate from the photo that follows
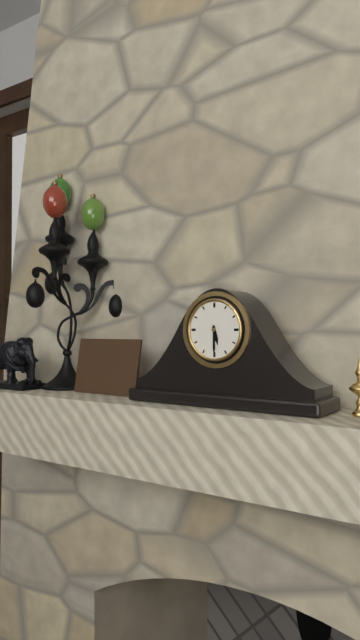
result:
5.30
